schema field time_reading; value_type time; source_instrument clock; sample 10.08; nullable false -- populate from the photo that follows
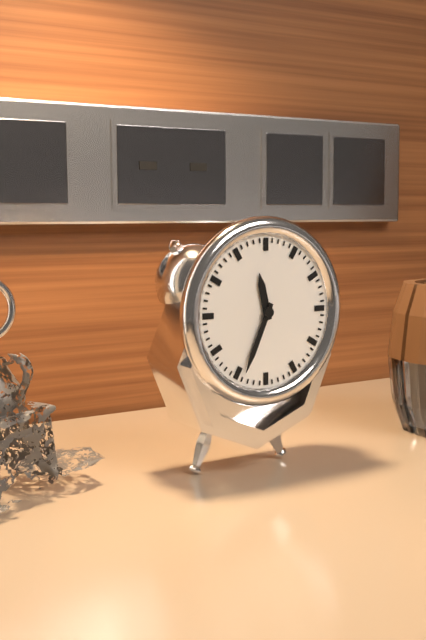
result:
11.34
